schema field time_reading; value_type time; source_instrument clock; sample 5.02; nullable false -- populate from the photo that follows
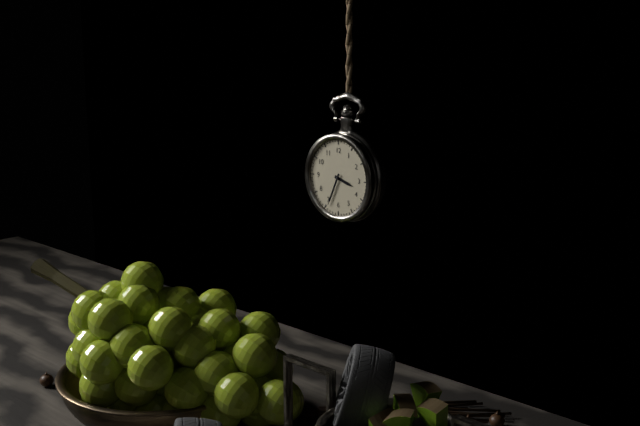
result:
3.34
